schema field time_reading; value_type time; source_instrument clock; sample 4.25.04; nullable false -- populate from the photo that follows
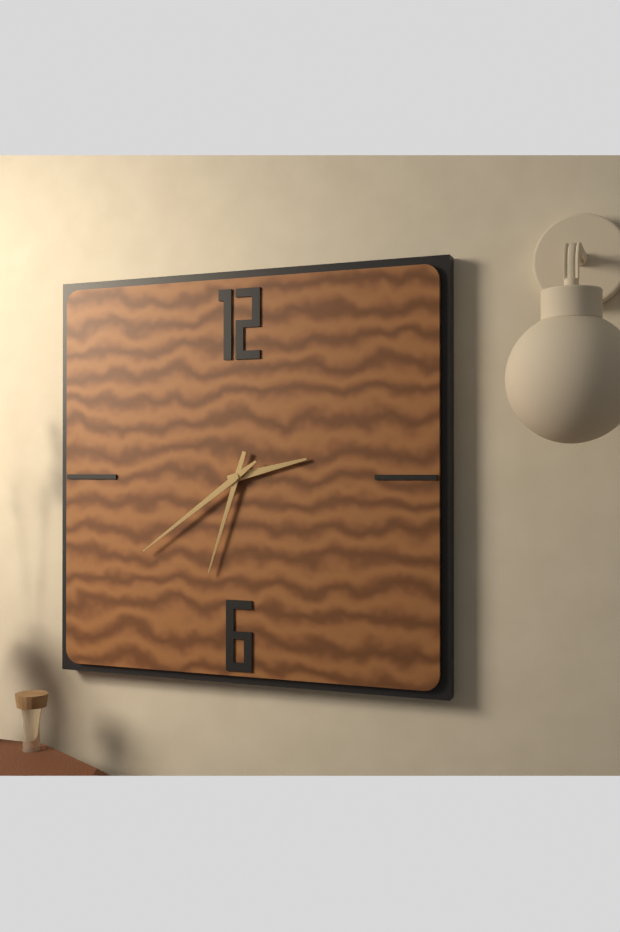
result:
2.33.39
